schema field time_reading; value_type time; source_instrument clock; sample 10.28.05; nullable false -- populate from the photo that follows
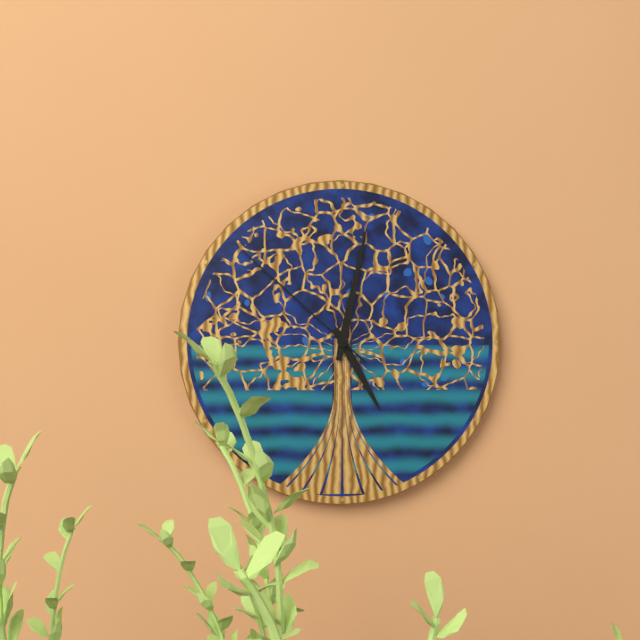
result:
5.02.52
